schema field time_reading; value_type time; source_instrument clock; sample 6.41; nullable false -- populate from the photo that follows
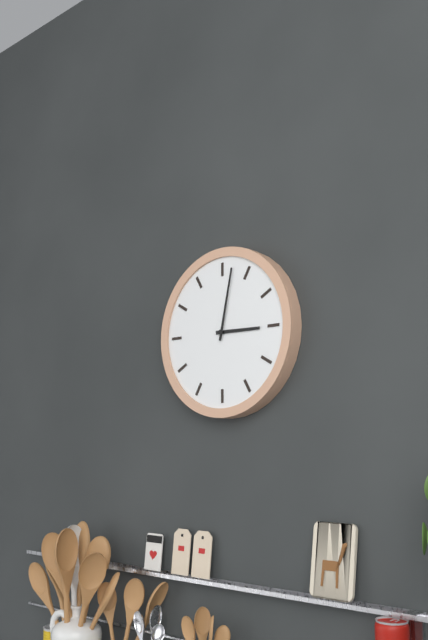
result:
3.02
